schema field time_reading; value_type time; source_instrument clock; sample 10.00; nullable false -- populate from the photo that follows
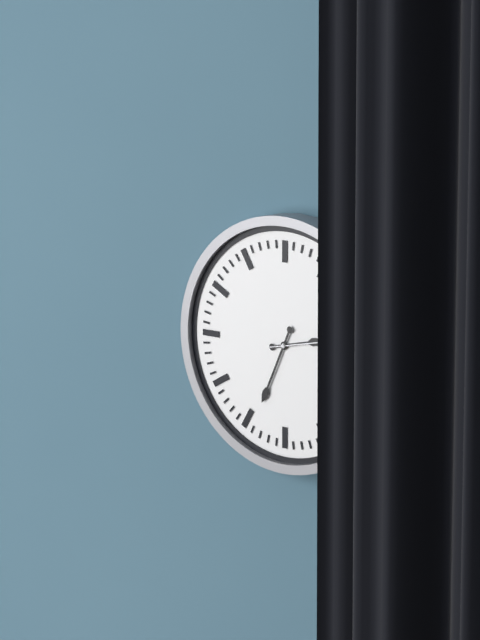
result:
2.34
